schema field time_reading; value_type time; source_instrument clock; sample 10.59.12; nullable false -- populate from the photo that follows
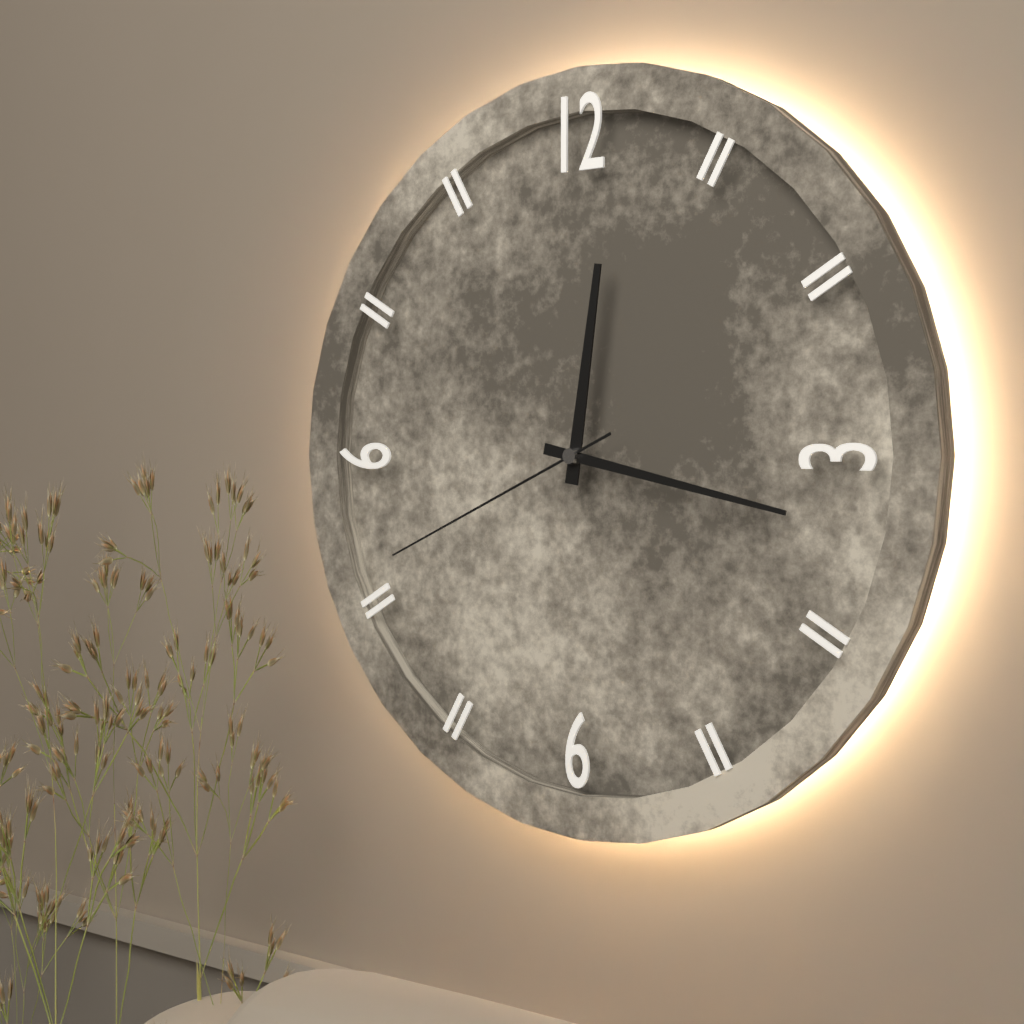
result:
12.17.41
